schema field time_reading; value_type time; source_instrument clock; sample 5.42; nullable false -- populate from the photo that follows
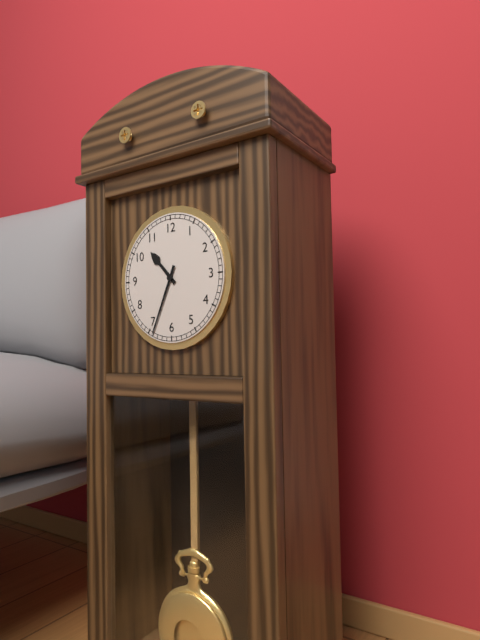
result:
10.34
